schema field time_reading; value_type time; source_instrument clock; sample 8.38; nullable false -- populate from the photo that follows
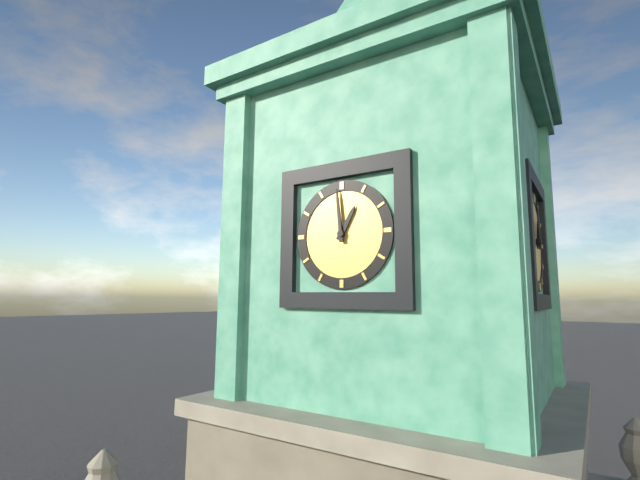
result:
12.59
